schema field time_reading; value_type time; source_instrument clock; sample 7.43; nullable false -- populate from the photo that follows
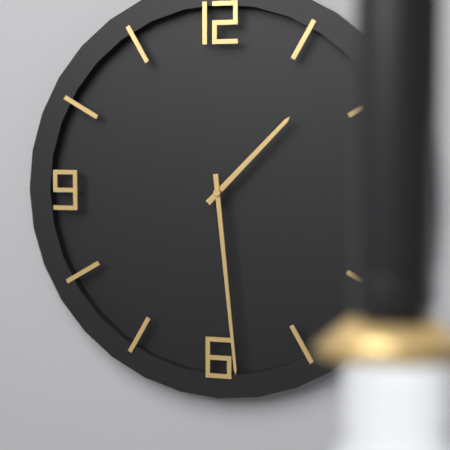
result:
1.29
